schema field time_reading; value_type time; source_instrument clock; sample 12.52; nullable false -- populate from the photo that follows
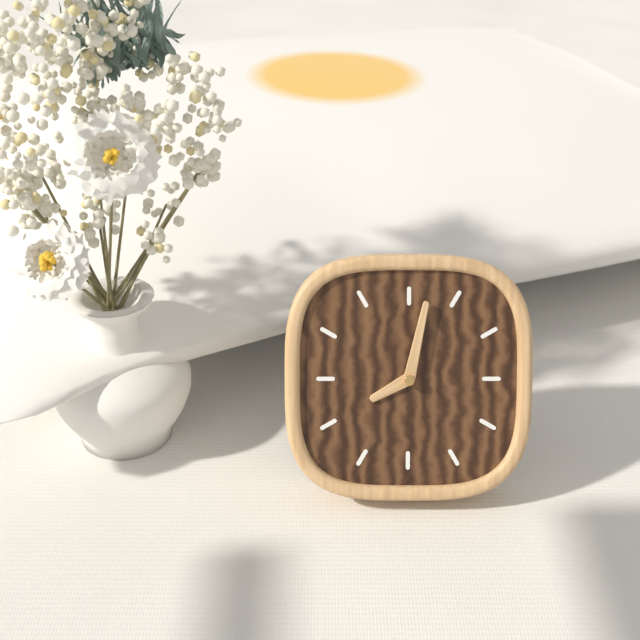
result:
8.02
